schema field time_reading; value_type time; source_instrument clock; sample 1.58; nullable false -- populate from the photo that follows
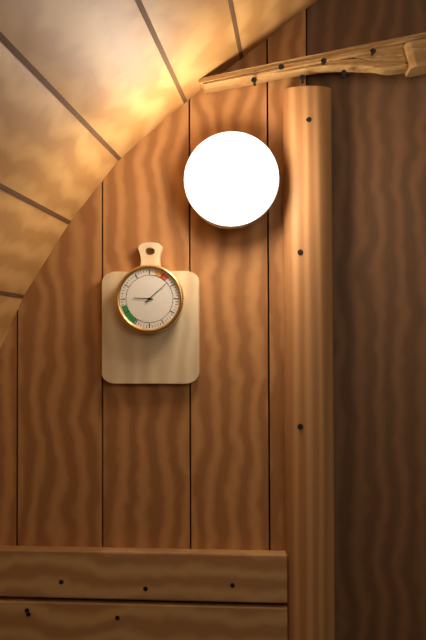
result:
9.08
